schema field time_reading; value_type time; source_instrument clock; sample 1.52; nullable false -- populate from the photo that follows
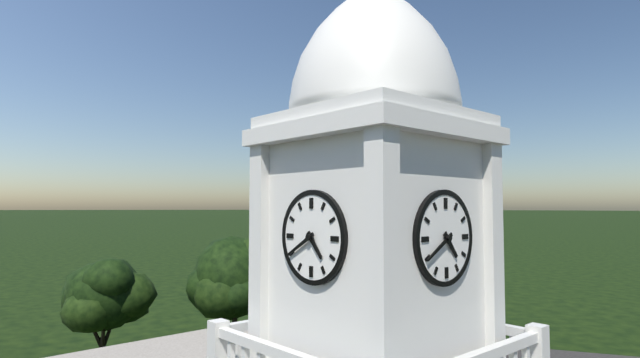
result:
4.40
